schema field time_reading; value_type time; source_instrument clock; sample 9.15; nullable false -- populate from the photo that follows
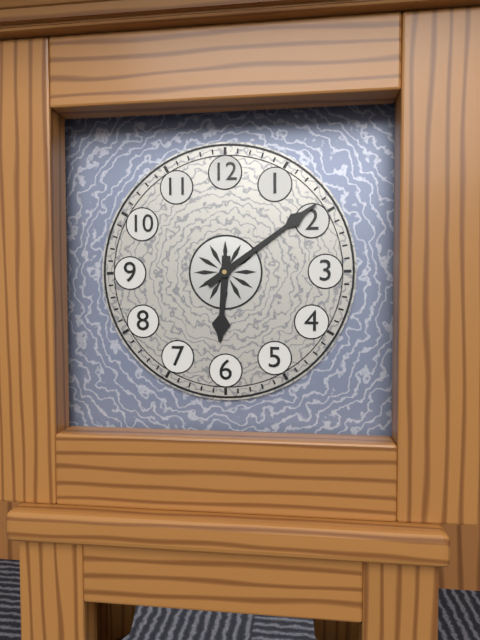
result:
6.09
